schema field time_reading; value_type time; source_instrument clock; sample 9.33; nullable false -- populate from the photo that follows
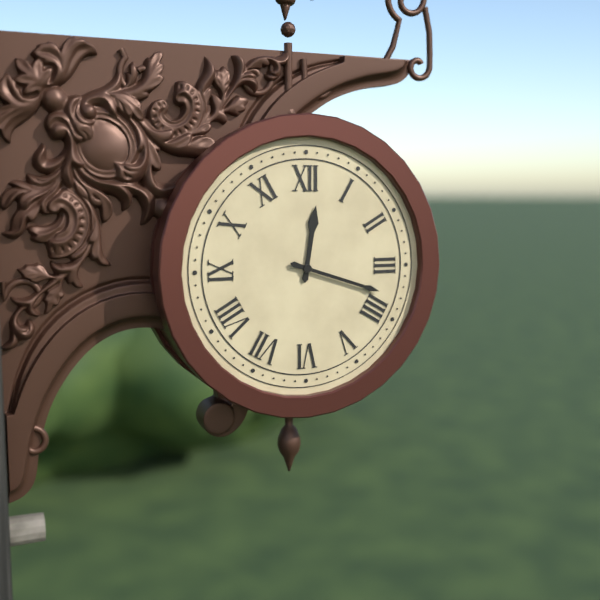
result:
12.18
